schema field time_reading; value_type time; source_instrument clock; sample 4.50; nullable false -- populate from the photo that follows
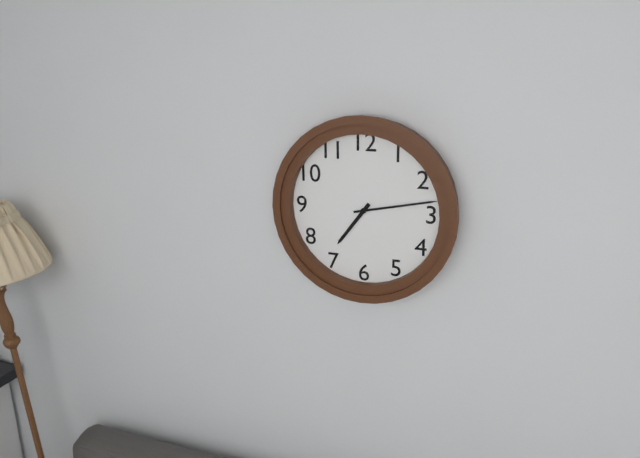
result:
7.13
